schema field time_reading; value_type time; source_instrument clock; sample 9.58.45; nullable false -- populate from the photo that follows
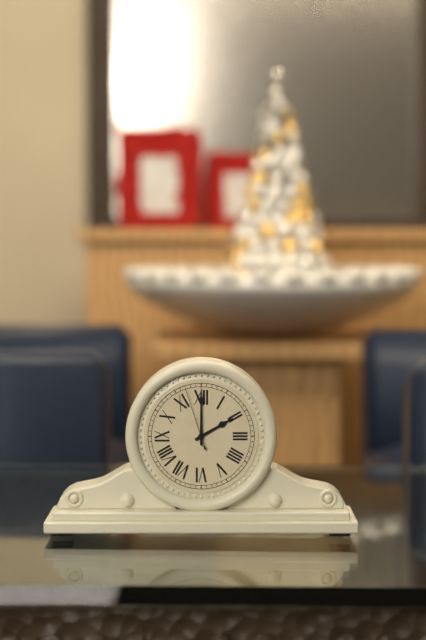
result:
2.00.57
